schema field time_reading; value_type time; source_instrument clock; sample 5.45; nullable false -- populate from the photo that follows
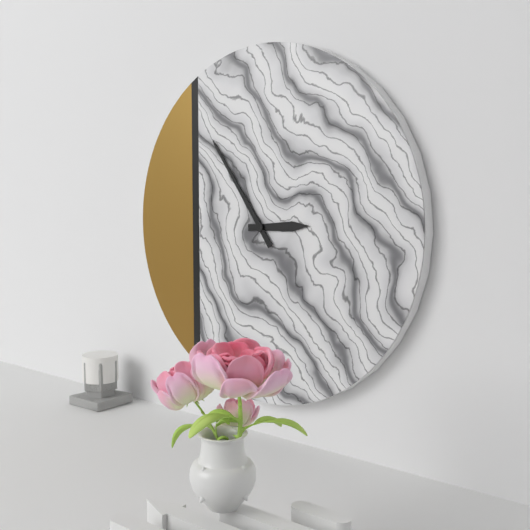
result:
2.54
